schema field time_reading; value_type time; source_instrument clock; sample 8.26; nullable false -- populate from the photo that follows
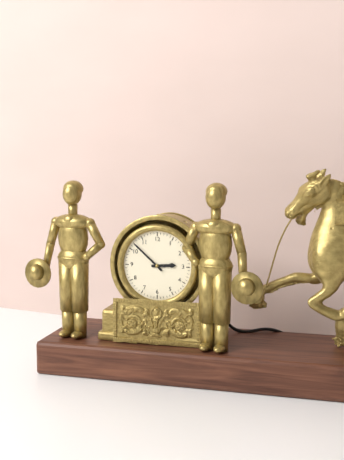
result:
2.52
